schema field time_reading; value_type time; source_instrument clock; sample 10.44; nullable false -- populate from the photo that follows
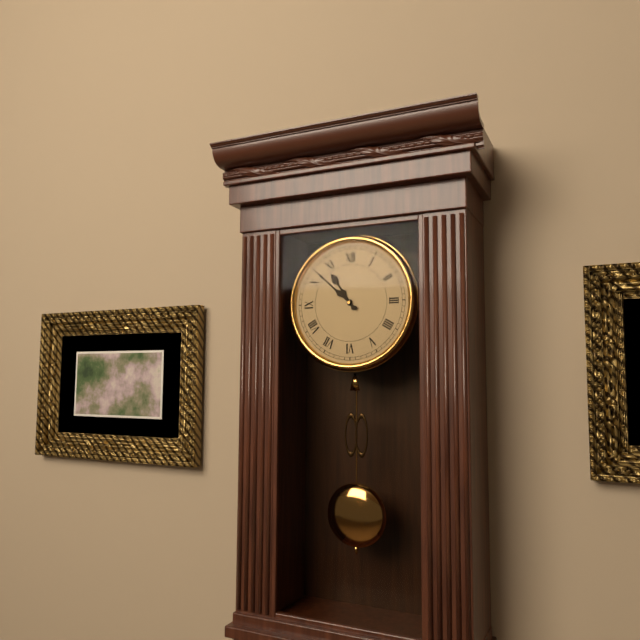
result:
10.52
